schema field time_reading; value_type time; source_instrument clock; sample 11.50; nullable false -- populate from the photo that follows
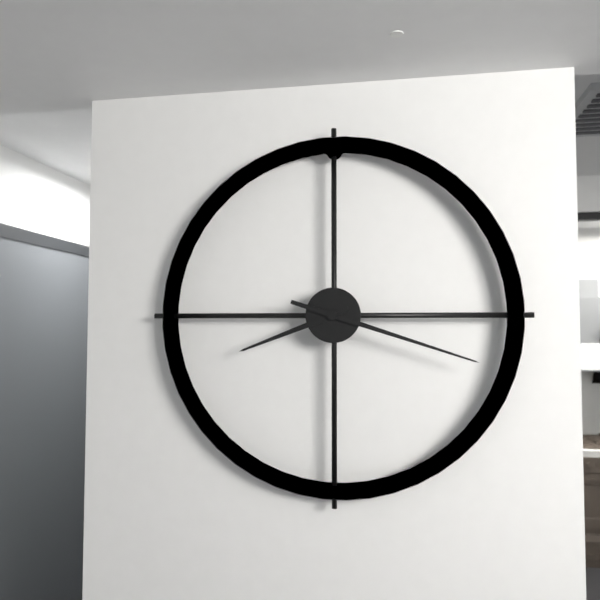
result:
8.18
